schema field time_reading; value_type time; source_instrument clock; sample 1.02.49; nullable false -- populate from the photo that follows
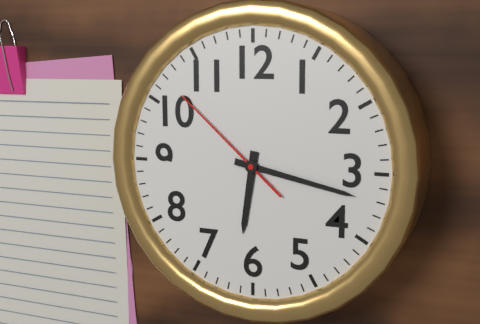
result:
6.17.52
